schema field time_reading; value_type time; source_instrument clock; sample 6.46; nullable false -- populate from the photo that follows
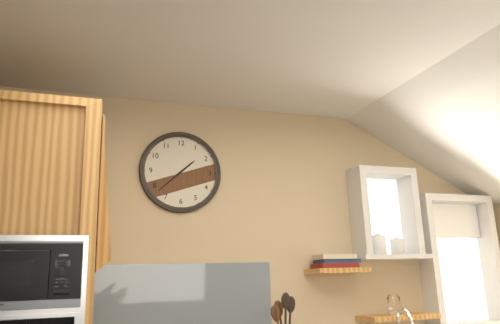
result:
1.38
